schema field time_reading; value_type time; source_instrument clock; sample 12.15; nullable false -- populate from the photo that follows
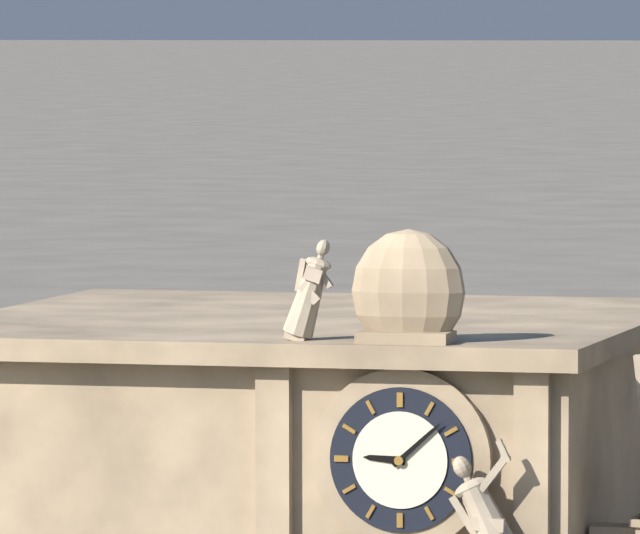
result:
9.08
